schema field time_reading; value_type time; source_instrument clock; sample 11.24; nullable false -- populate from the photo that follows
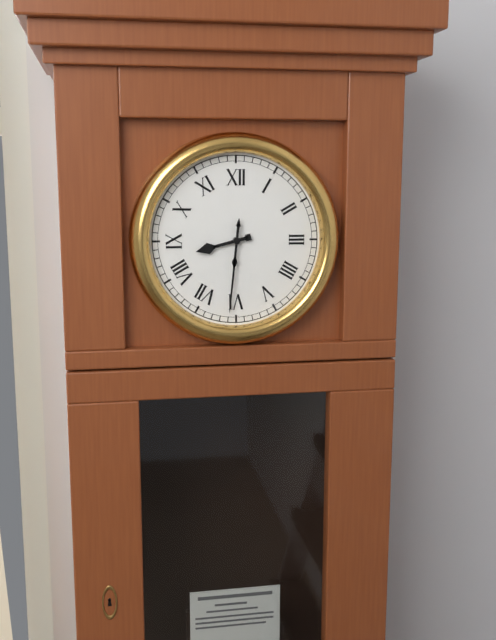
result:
8.31
